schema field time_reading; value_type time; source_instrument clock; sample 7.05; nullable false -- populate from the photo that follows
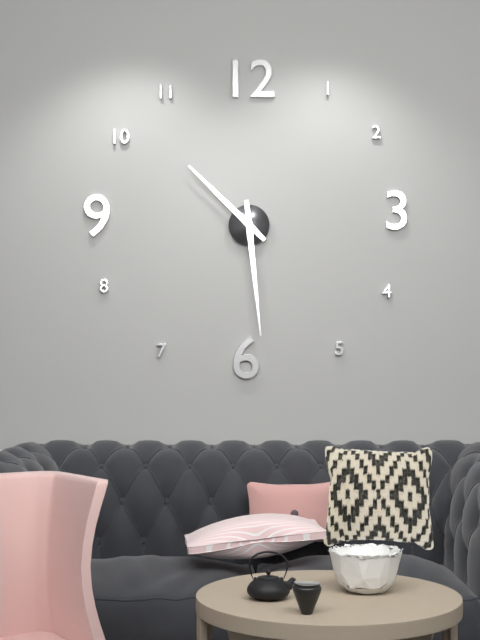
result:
10.29
